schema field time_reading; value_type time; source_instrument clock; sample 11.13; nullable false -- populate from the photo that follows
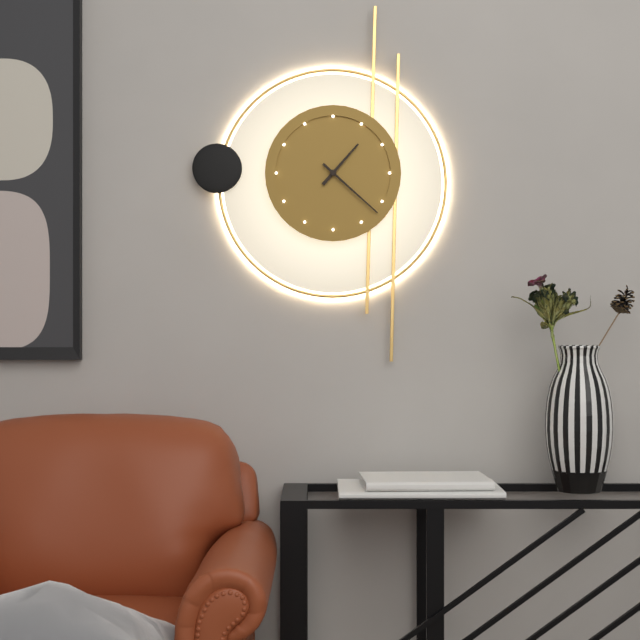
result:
1.22
